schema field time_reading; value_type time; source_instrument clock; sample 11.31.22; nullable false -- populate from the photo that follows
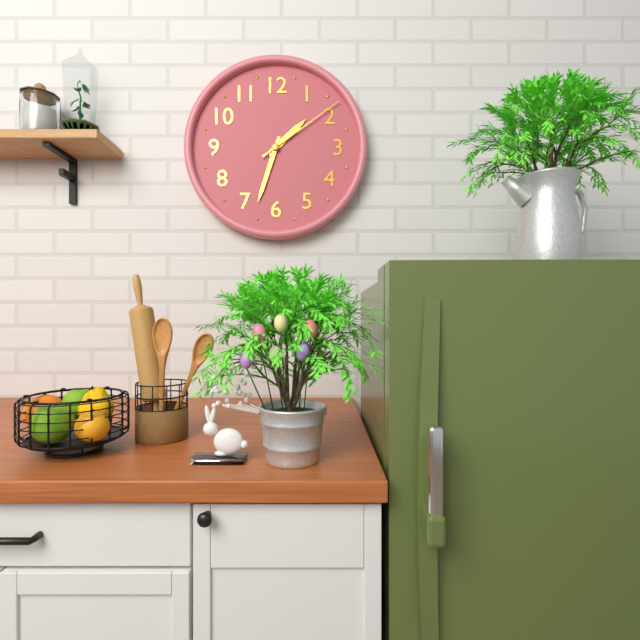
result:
1.33.09
